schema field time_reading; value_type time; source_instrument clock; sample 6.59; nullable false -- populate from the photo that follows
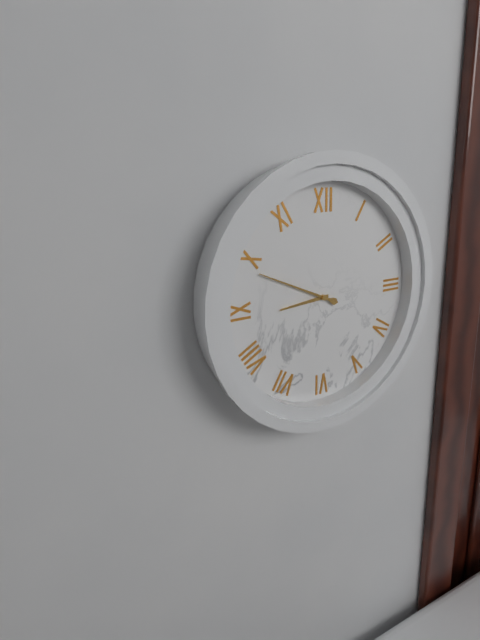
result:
8.49
